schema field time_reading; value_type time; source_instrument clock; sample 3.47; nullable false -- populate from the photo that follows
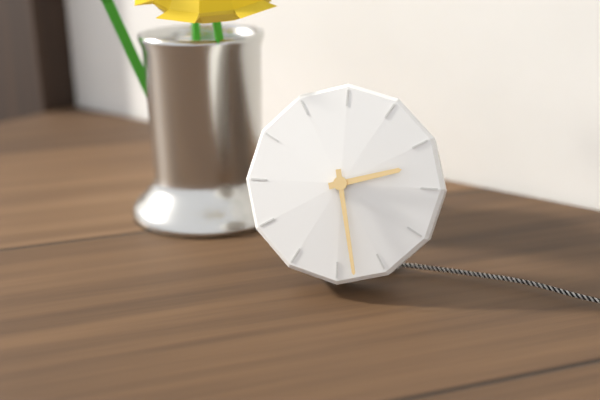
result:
2.28
